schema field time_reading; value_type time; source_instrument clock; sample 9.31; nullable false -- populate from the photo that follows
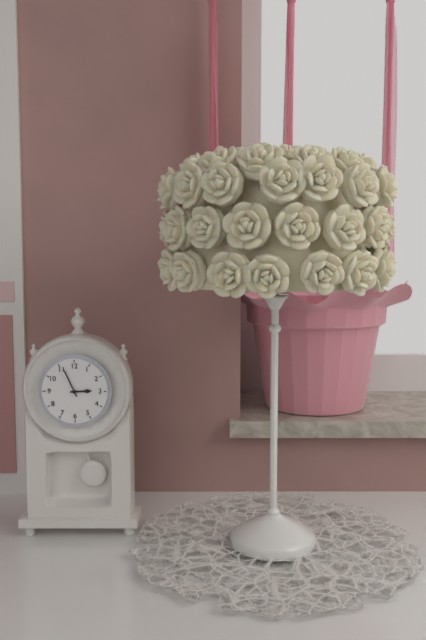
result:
2.56
